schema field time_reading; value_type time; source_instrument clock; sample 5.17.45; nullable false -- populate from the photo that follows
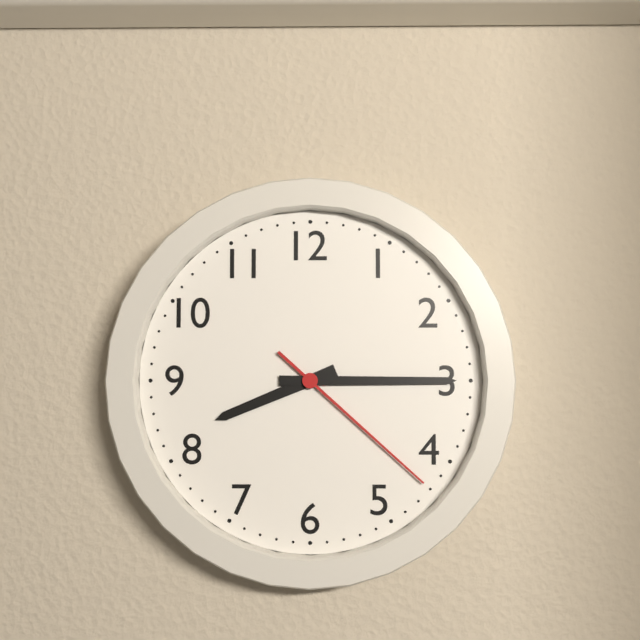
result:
8.15.22
